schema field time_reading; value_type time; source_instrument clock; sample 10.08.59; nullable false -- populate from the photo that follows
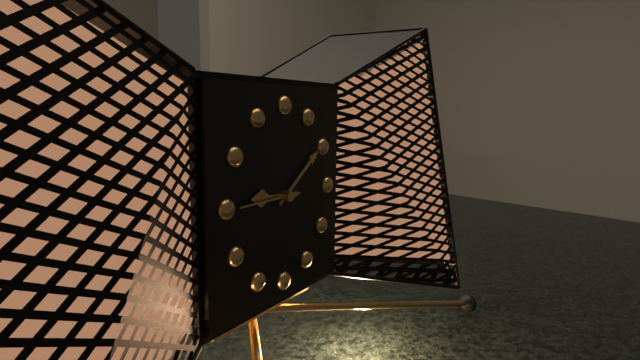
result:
9.09.45
